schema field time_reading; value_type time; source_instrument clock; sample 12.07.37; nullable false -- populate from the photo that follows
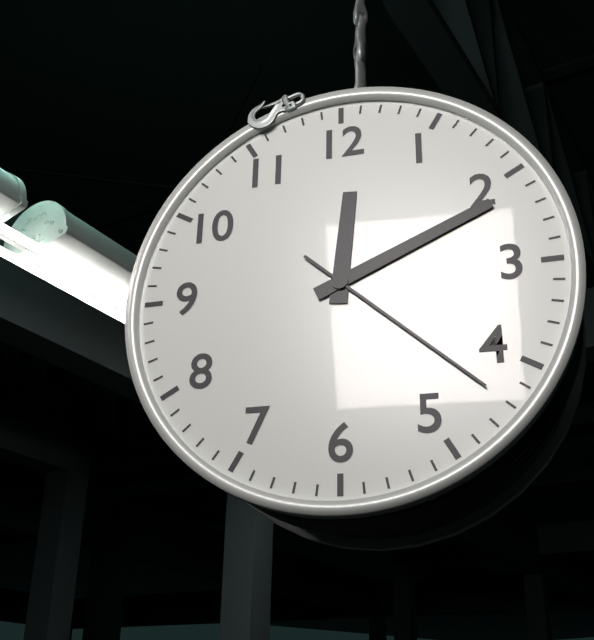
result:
12.11.22
